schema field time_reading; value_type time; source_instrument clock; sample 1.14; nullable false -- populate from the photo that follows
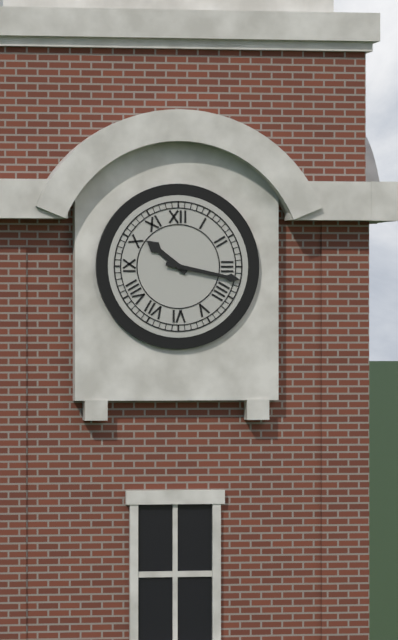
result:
10.17
